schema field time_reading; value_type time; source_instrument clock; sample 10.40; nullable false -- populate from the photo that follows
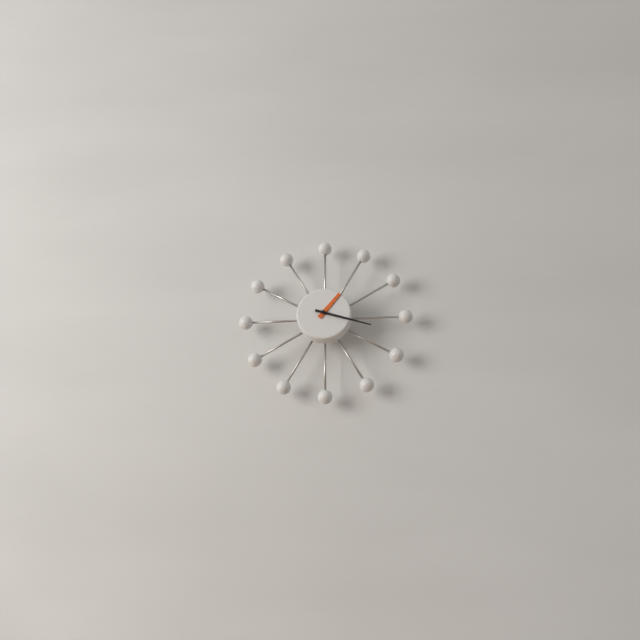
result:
1.18
